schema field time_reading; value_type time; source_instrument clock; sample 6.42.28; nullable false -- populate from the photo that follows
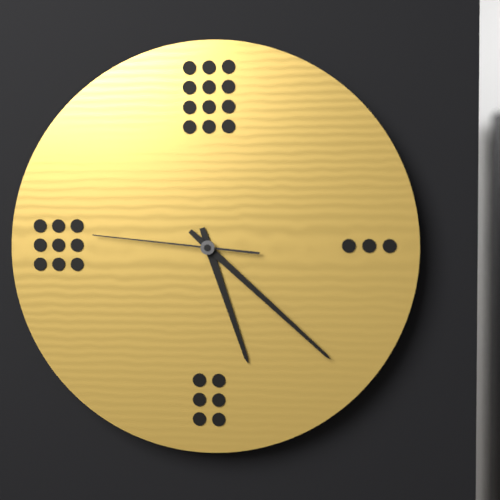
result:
5.22.46
